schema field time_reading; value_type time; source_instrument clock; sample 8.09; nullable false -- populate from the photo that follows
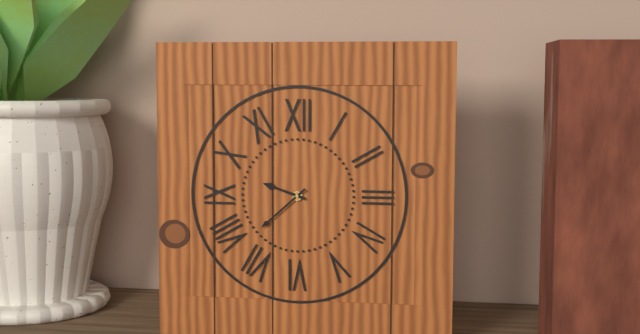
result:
9.38
